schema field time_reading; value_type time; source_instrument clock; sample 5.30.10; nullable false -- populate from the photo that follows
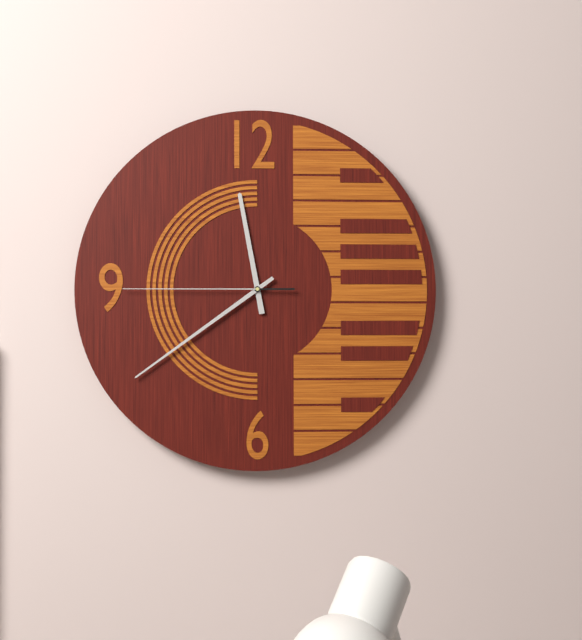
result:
11.39.45
